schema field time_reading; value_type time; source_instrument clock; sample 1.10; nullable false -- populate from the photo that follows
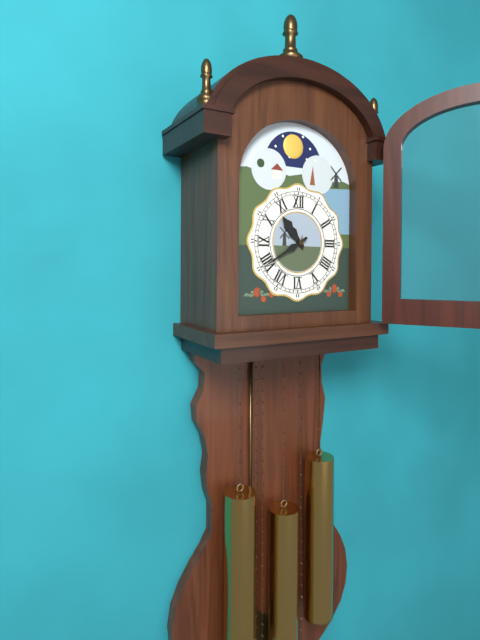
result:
10.40
